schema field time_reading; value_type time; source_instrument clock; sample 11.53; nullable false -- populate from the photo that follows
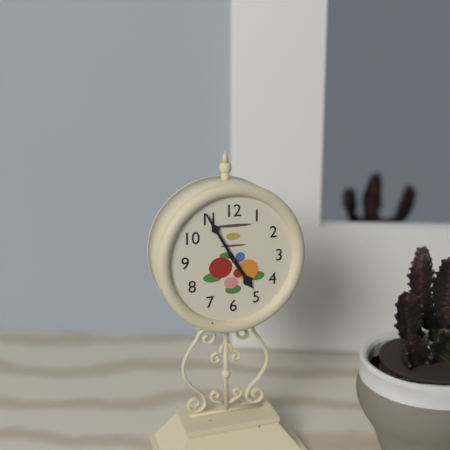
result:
4.55
